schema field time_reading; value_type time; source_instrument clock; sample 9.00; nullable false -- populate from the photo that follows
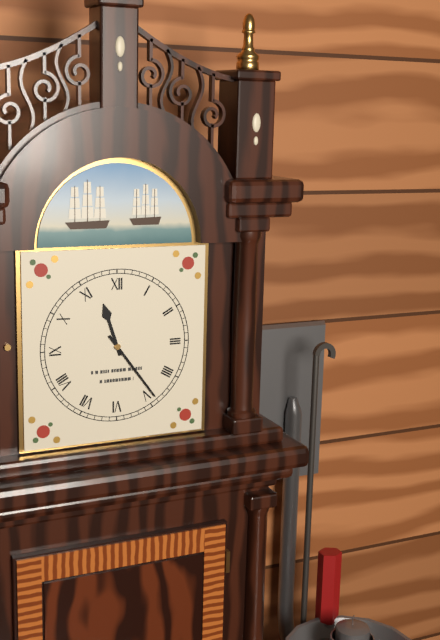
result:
11.24
